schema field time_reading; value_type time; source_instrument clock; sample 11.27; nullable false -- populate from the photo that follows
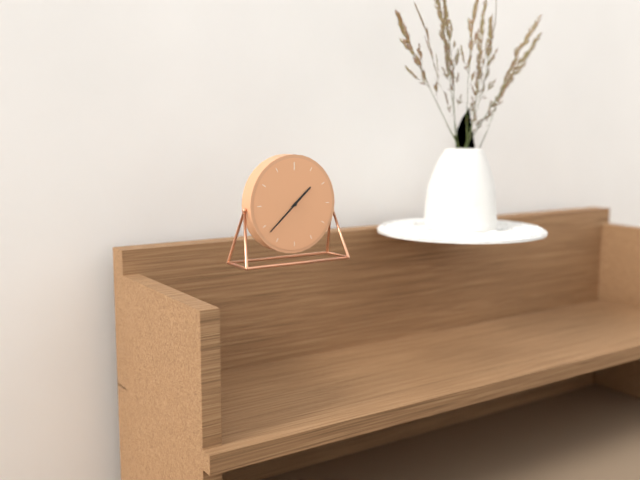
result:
1.38
